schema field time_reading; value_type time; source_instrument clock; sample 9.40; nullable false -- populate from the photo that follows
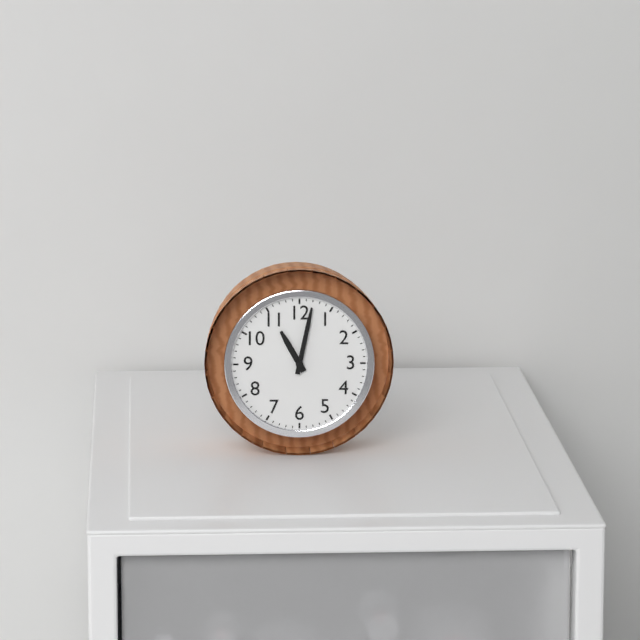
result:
11.02
